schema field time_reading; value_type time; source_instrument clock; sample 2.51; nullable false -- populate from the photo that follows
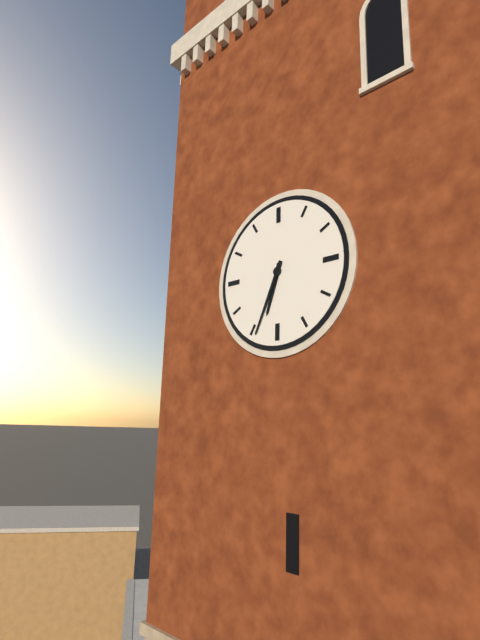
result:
6.34
